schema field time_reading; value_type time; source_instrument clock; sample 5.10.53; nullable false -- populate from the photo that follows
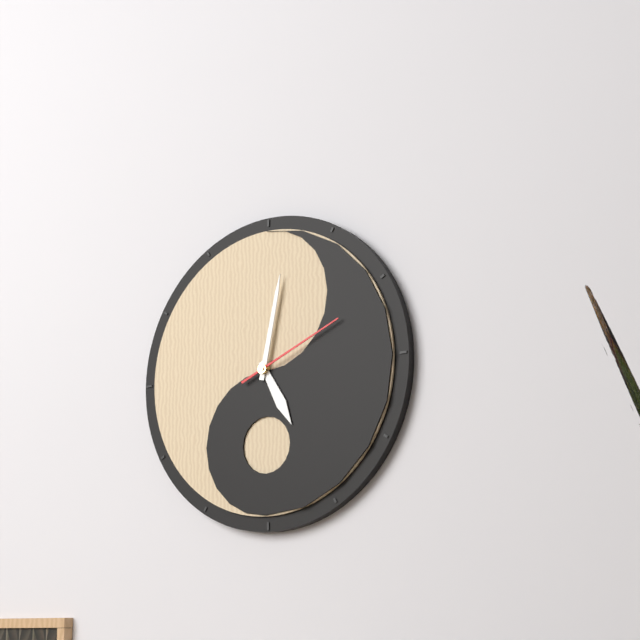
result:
5.02.11
